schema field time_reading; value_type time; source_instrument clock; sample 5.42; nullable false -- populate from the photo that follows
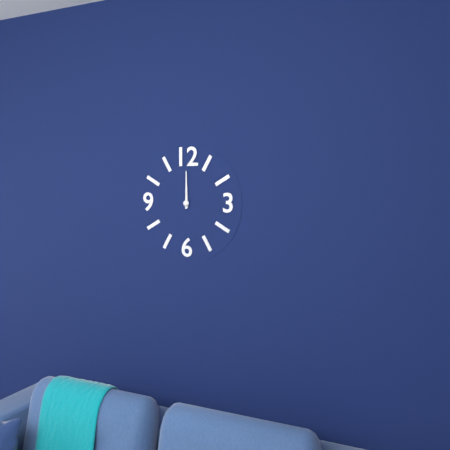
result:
12.00
